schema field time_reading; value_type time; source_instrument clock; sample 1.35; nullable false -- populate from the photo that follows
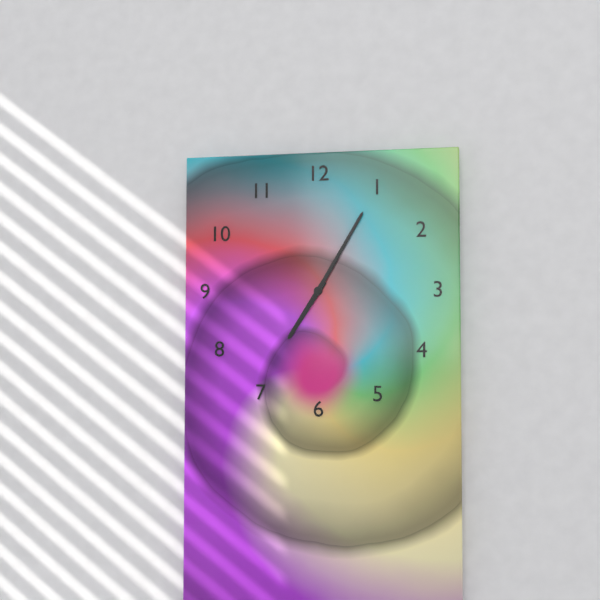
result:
7.05
